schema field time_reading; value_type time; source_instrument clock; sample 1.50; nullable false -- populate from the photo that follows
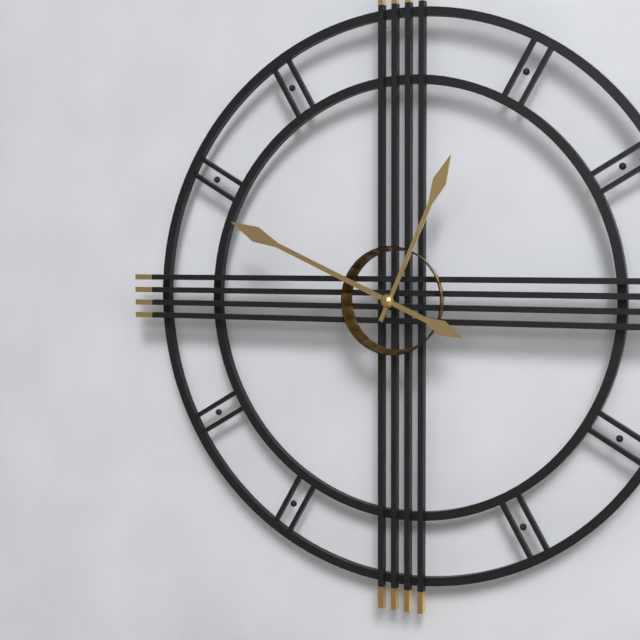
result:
12.49
